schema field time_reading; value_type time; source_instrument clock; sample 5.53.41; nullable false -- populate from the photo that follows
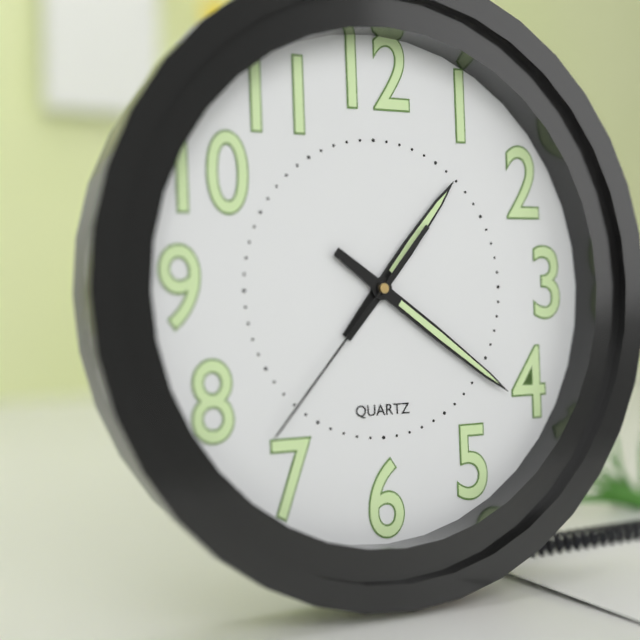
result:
1.21.37
